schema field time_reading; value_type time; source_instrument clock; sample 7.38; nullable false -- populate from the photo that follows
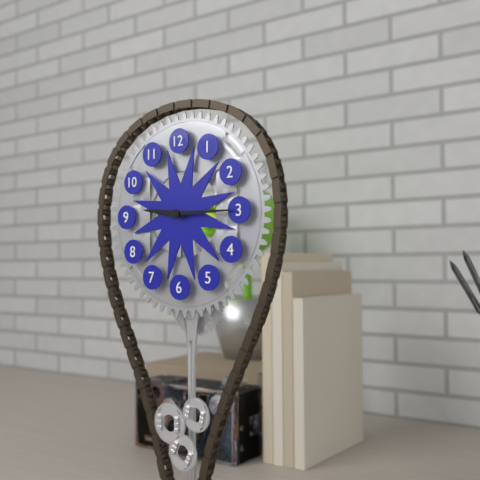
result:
9.15
